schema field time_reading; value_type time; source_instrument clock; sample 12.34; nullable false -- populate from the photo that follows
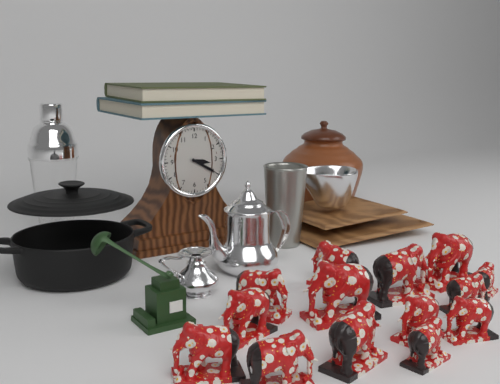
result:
3.20
